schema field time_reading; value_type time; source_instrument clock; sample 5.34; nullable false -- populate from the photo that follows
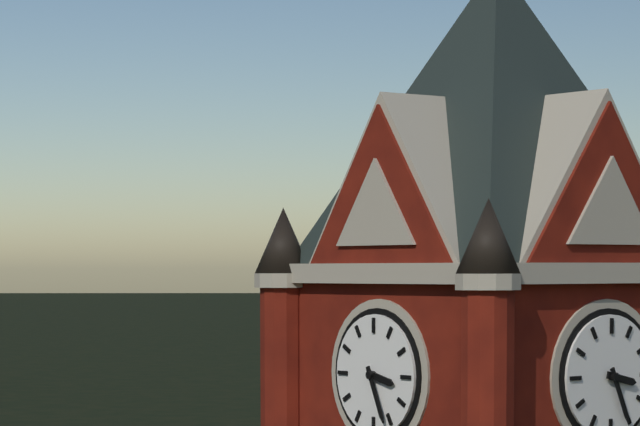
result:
3.26
